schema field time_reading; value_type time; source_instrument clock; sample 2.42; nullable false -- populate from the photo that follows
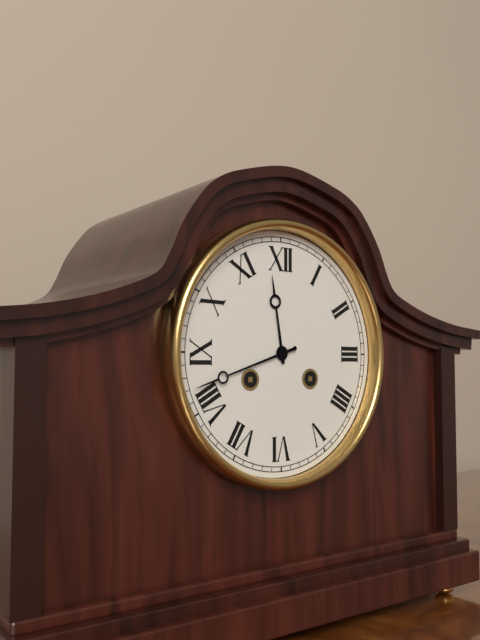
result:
11.42
